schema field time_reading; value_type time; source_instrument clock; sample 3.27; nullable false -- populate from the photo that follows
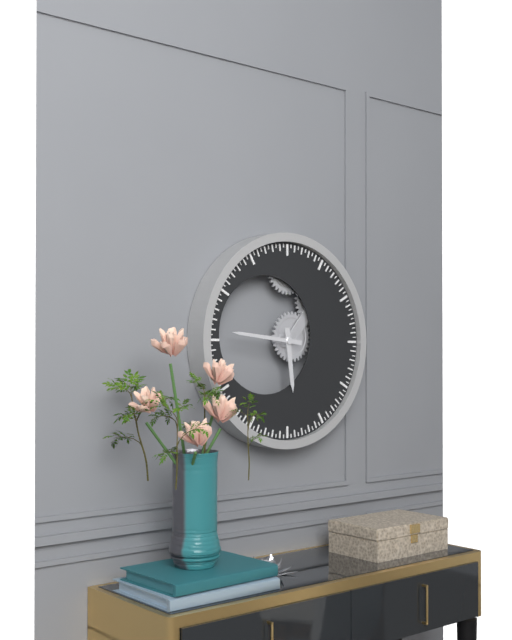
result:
5.46
